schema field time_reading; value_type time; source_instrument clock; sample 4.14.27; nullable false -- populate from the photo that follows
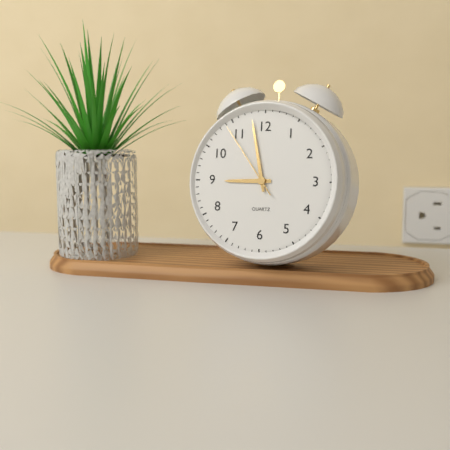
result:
8.58.54
